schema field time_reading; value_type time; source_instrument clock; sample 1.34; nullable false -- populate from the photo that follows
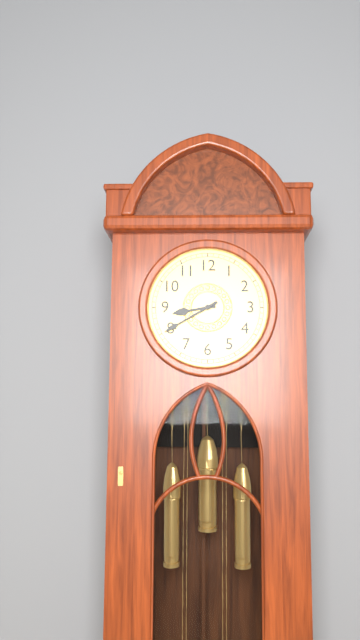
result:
8.40
